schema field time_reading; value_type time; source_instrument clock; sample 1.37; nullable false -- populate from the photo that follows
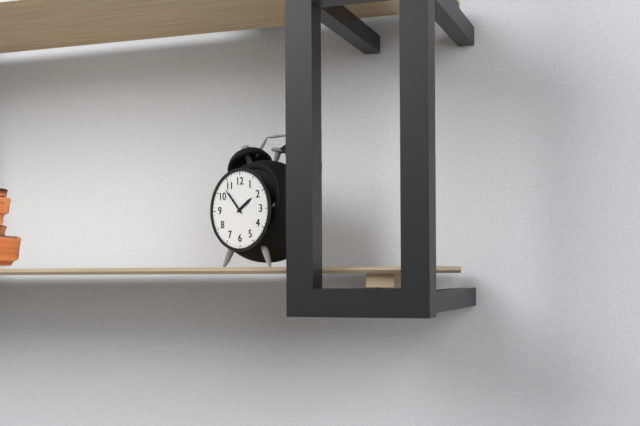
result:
1.53
